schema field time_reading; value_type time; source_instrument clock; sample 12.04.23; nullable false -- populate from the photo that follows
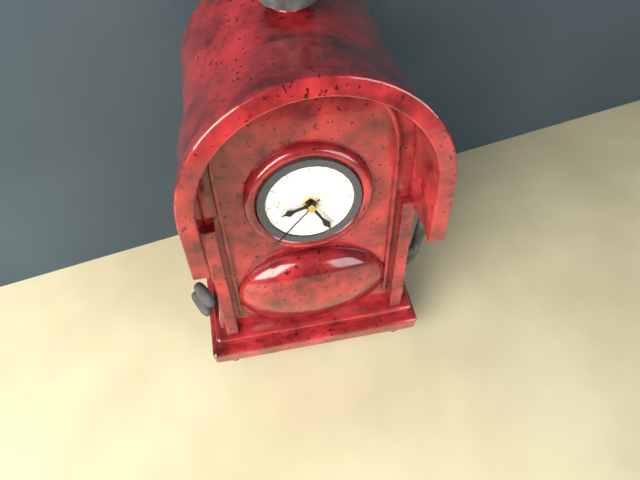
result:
8.25.37
